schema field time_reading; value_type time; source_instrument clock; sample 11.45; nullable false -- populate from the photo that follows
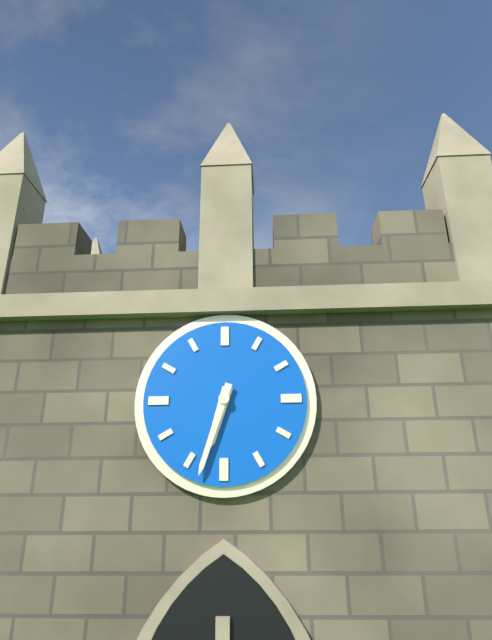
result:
6.33
